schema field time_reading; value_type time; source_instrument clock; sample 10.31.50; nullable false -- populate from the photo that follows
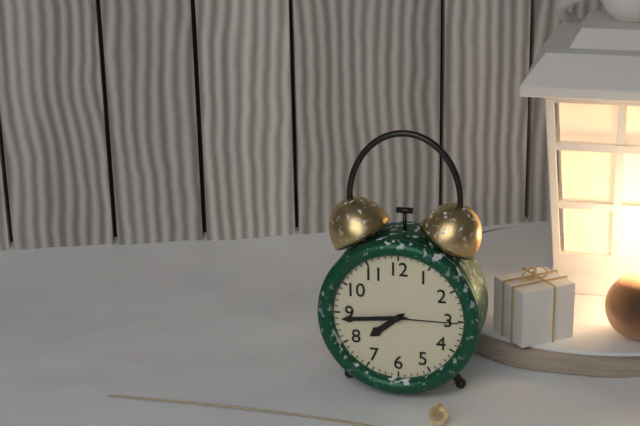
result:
7.44.15
